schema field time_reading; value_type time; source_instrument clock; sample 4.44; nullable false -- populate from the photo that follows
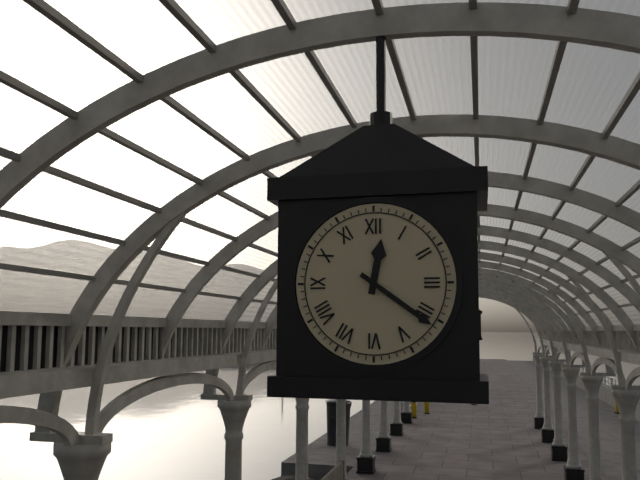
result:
12.21
